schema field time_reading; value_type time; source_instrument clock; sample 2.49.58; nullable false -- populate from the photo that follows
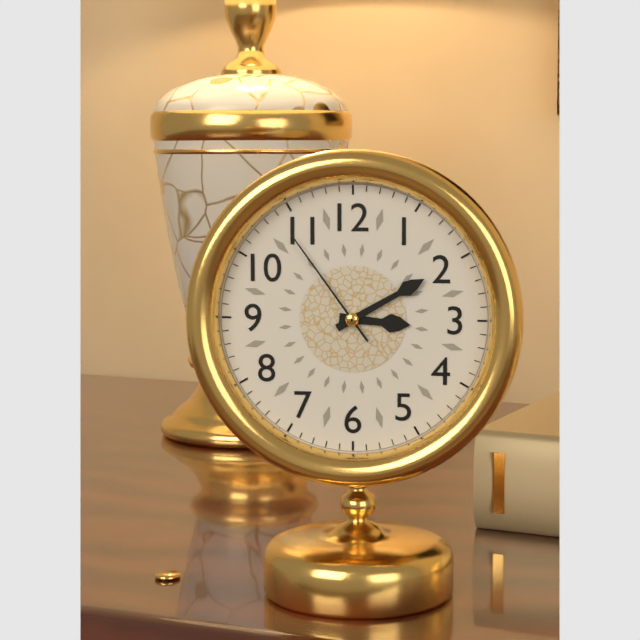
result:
3.10.54
